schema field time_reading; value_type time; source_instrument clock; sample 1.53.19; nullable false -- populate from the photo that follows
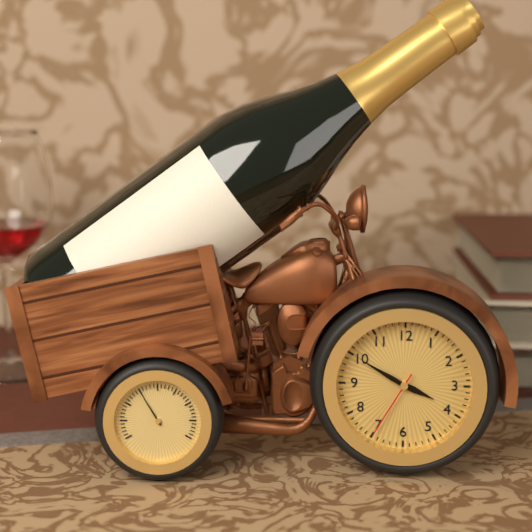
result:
3.50.35
